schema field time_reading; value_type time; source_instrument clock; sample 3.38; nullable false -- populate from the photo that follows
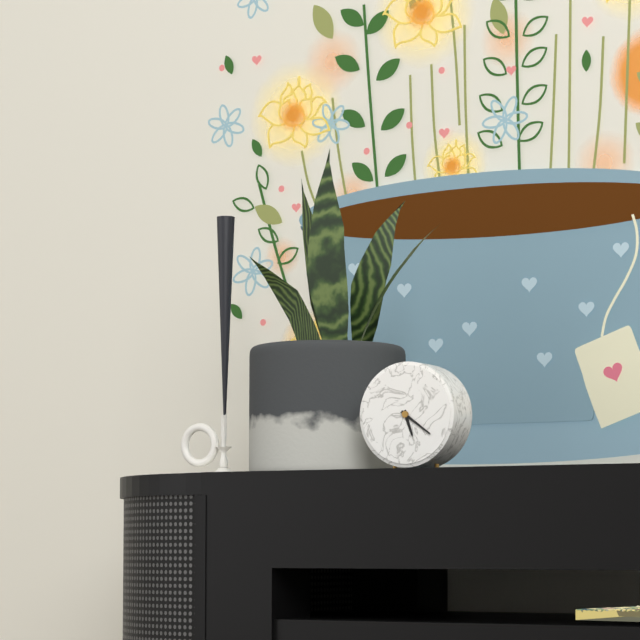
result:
5.21
